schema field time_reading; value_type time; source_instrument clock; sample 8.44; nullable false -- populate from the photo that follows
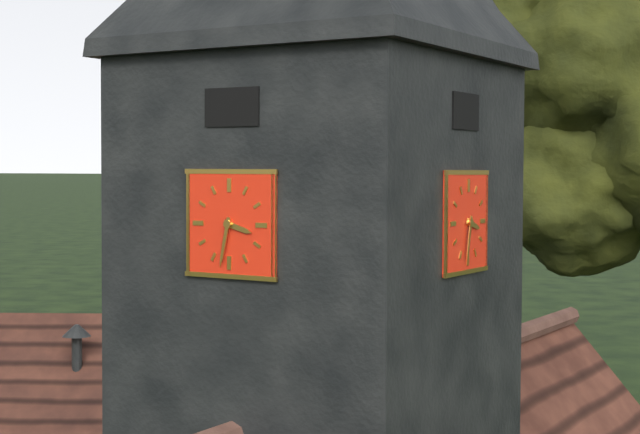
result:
3.32
